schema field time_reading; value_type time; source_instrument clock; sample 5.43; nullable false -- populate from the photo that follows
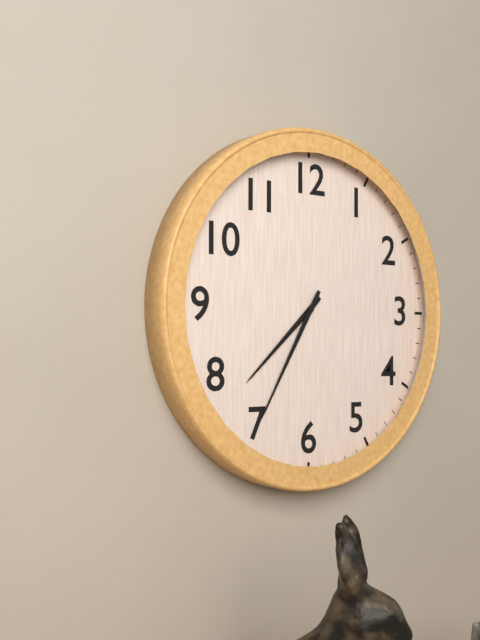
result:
7.35
